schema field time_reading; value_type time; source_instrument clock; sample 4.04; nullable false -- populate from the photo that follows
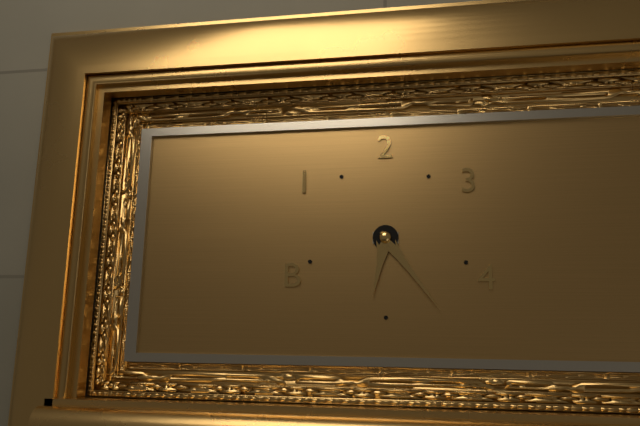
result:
6.24
